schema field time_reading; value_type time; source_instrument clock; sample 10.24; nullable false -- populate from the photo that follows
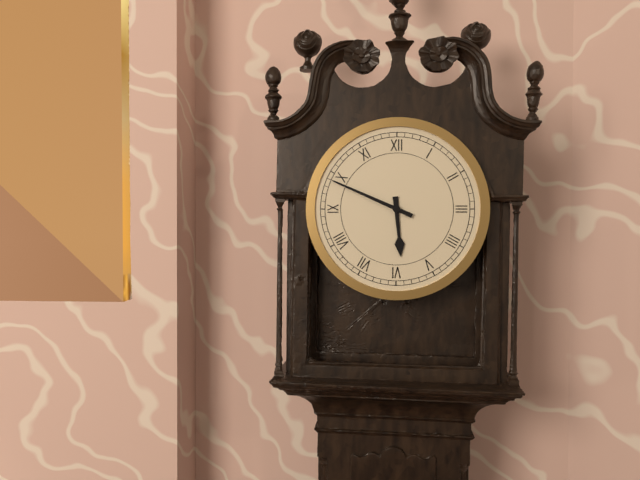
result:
5.49
